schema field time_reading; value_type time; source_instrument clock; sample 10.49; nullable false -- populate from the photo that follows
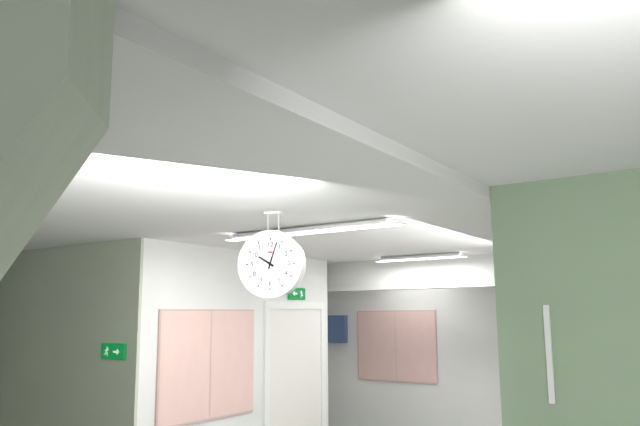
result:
10.03
